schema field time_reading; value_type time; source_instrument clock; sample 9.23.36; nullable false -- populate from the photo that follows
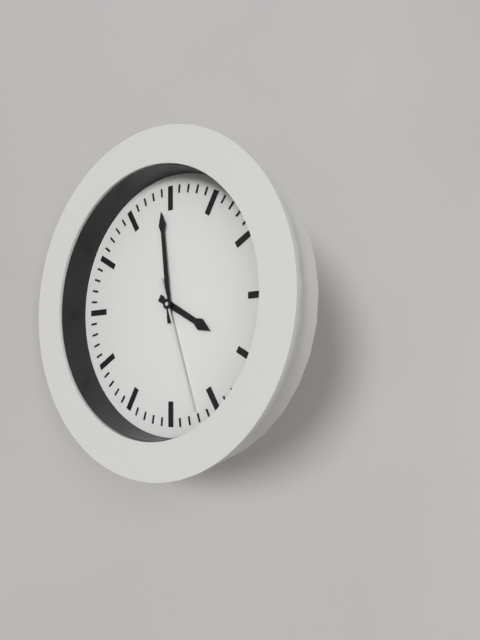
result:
3.59.27
